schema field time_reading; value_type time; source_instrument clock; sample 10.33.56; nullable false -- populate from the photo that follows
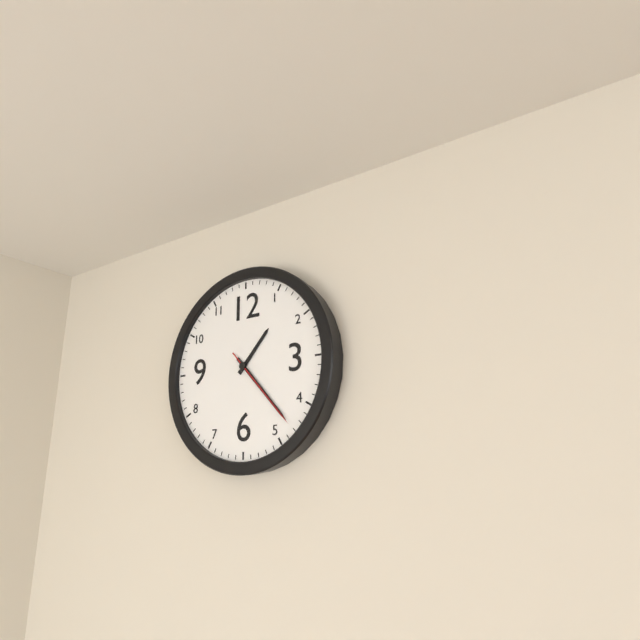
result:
1.23.23
